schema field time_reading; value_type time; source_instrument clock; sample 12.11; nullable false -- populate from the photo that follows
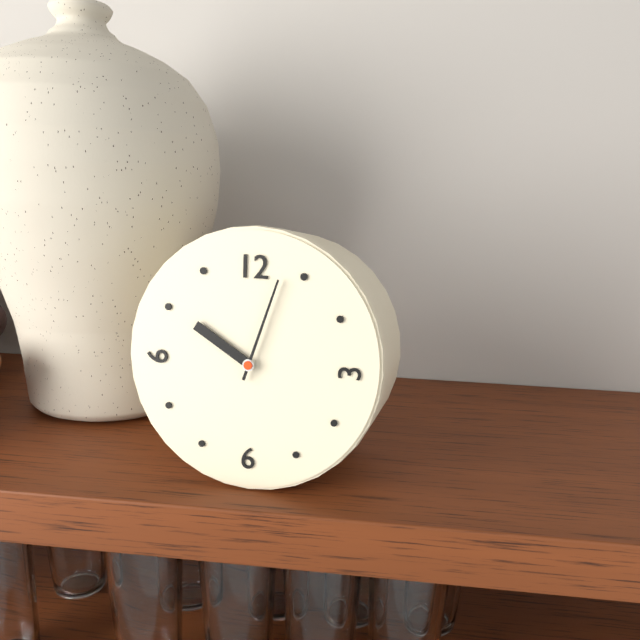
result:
10.03
